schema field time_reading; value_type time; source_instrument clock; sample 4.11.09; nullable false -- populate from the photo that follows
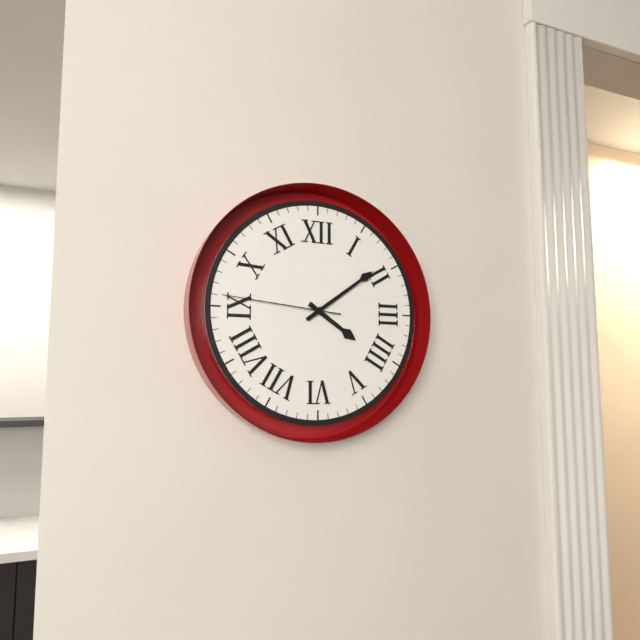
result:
4.09.46
